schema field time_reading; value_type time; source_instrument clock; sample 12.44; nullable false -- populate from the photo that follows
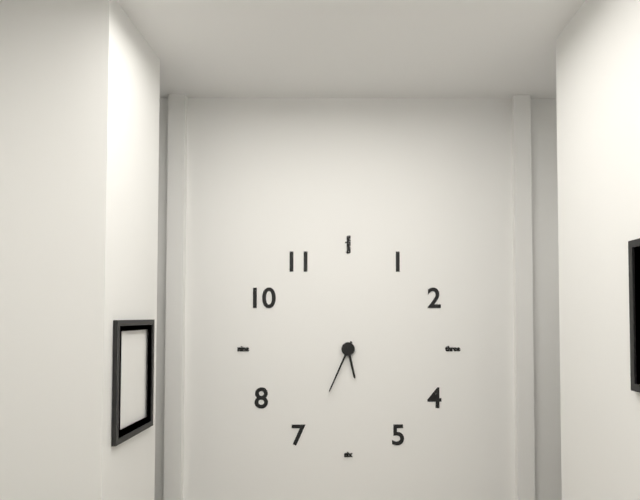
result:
5.34
